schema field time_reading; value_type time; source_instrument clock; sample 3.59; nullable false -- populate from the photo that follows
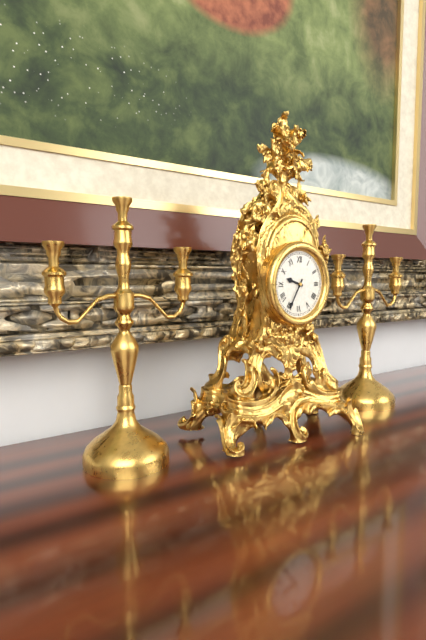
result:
9.35
